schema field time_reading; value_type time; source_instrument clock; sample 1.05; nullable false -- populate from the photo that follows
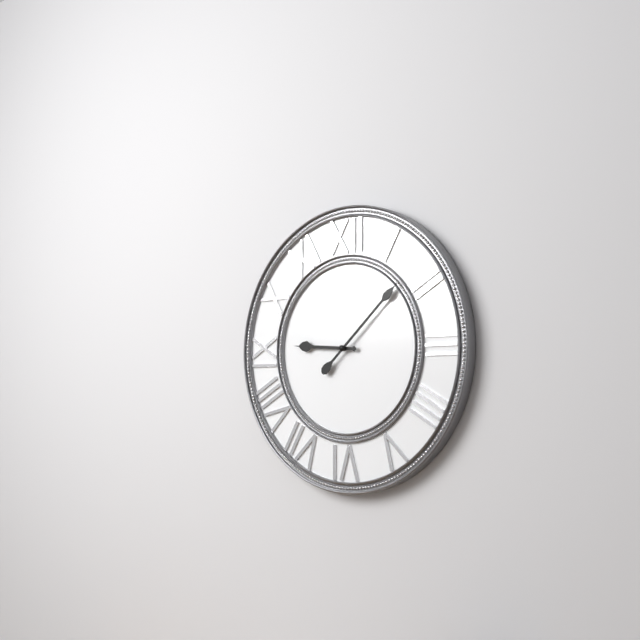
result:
9.08
